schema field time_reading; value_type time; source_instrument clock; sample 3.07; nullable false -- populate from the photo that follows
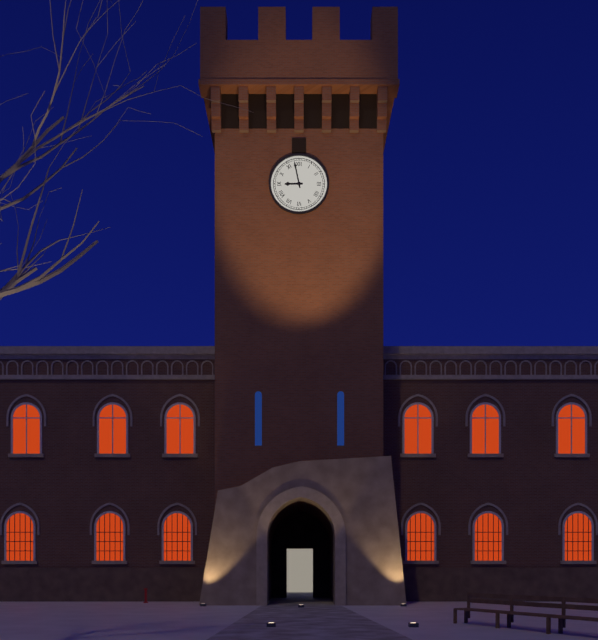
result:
8.58
